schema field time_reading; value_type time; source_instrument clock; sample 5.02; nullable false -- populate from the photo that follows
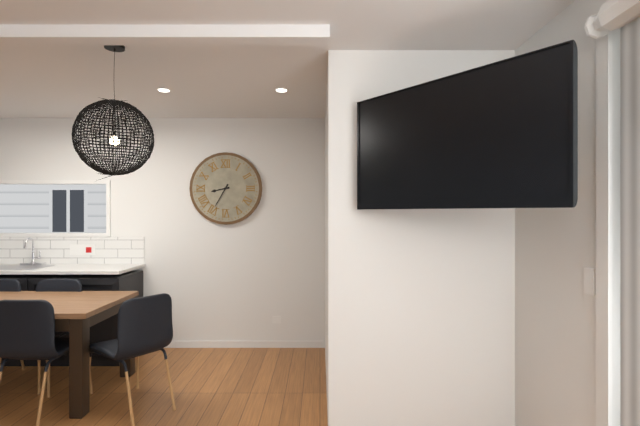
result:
8.35
